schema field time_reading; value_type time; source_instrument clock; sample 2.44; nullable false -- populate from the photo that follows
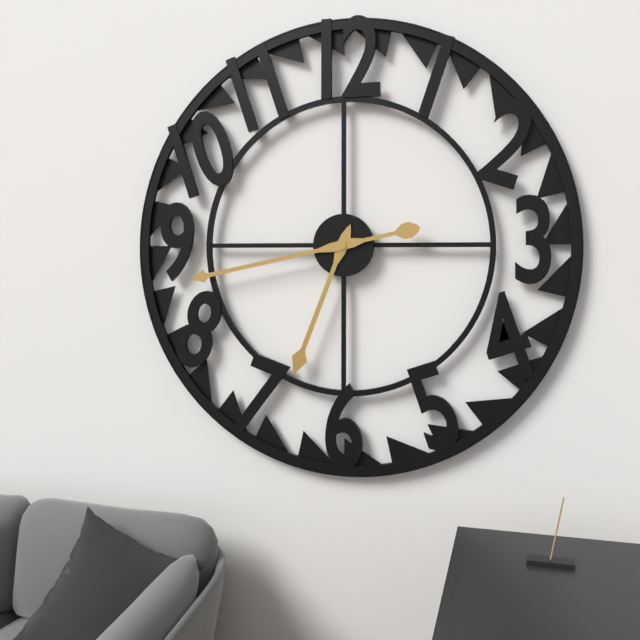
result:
6.43
